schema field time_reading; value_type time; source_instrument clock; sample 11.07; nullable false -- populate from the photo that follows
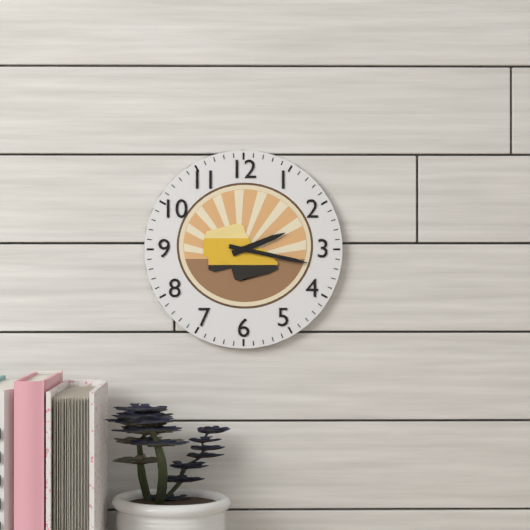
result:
2.17
